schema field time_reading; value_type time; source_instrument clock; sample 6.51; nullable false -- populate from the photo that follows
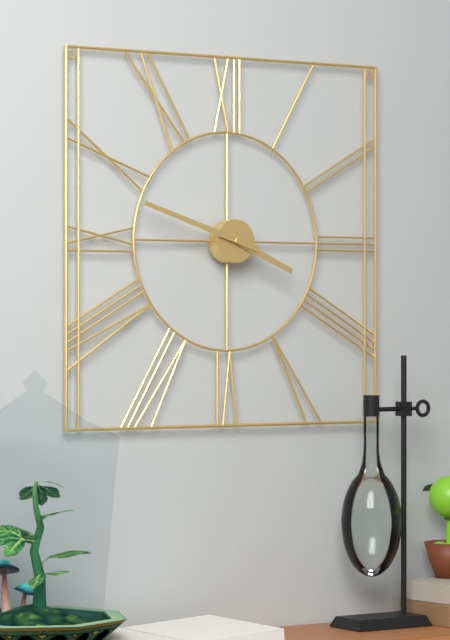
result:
3.48
